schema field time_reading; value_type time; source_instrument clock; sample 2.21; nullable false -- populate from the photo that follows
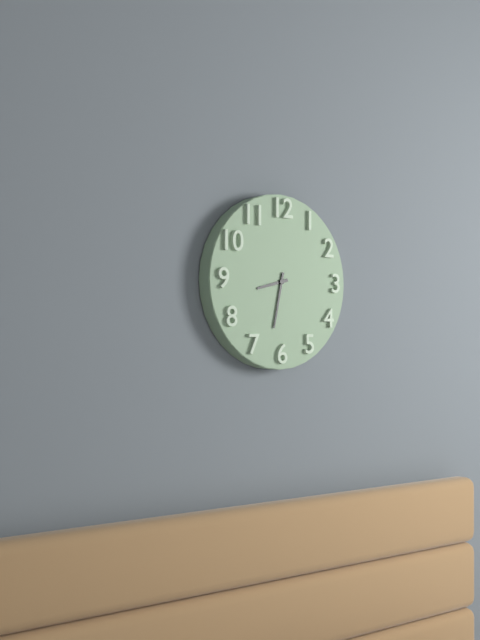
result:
8.32
